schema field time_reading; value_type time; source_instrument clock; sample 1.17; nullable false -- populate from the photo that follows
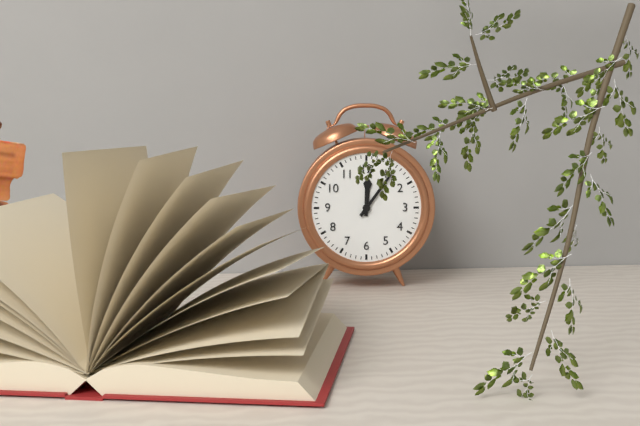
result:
12.06
